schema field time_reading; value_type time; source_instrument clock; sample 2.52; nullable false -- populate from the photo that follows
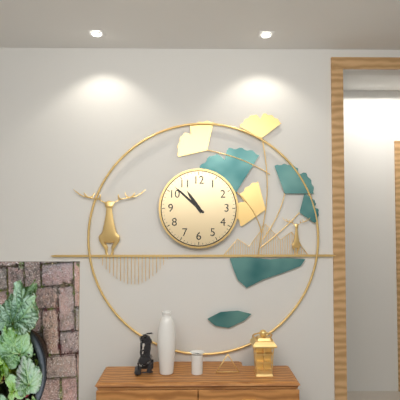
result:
10.52
